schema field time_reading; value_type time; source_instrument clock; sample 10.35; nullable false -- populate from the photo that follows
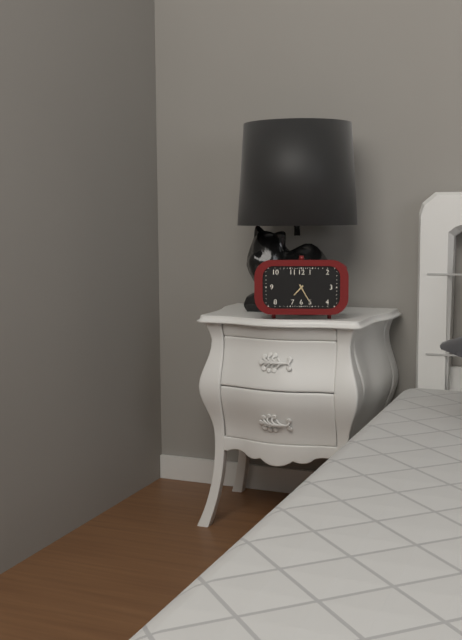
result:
7.25
